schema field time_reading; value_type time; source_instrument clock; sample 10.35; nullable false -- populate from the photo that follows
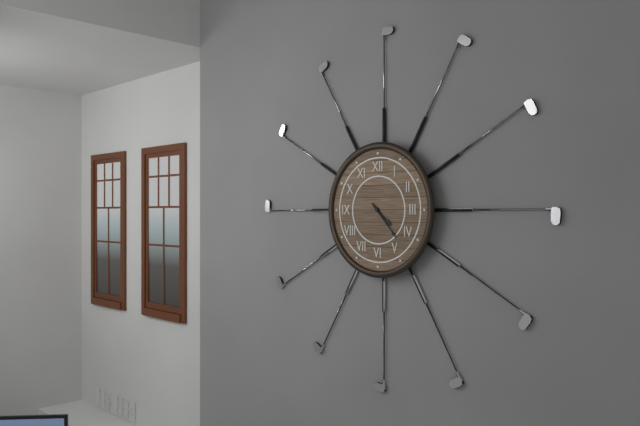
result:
4.23
